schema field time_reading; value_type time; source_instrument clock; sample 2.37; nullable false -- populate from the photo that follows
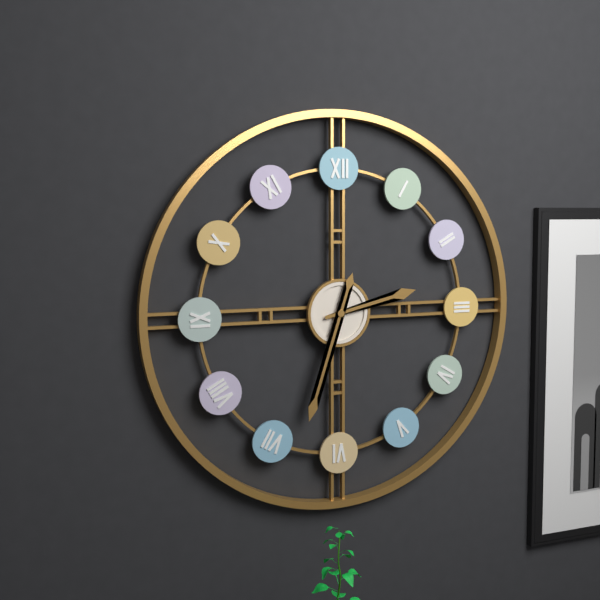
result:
2.33
